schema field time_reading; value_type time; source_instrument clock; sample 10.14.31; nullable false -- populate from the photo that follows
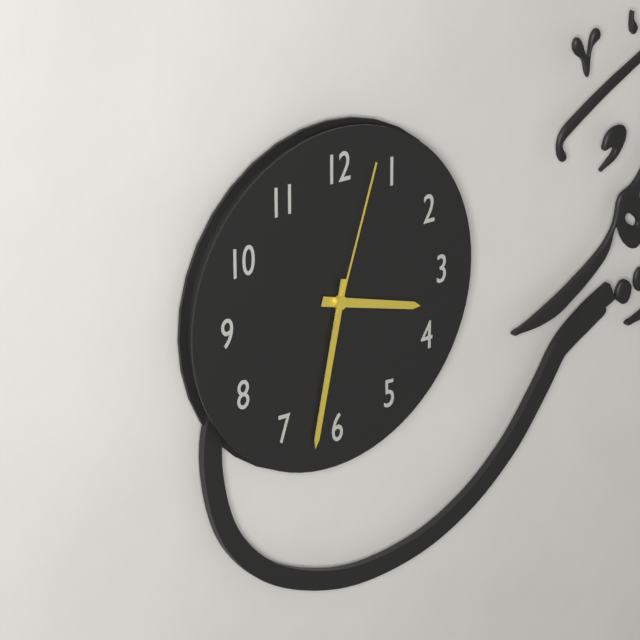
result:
3.32.03
